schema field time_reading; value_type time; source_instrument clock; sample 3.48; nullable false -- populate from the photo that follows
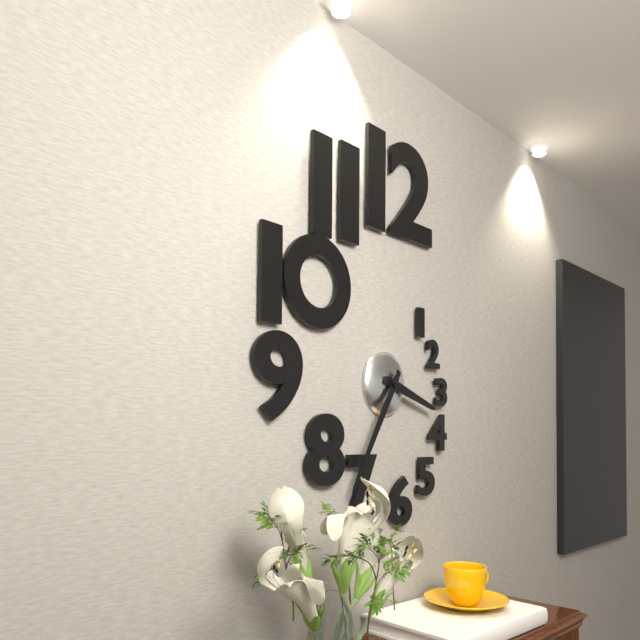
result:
3.35
